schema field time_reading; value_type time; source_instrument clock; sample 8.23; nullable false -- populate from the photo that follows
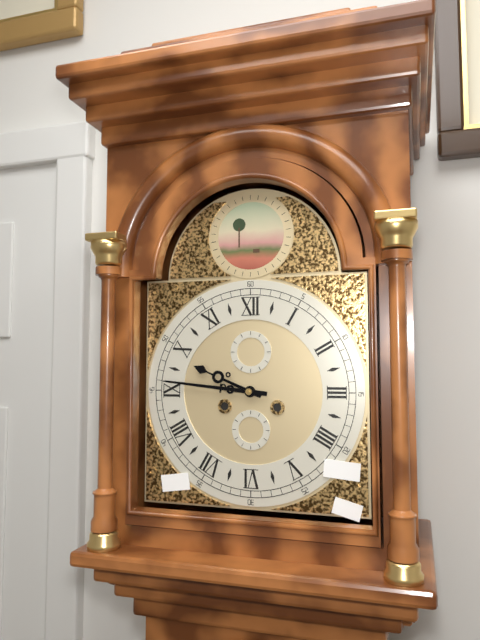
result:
9.46
